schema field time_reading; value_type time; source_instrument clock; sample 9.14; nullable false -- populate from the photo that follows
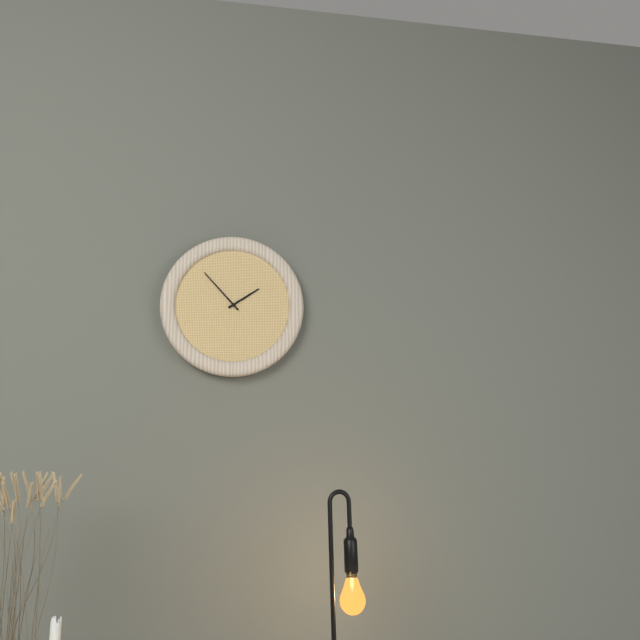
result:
1.53
